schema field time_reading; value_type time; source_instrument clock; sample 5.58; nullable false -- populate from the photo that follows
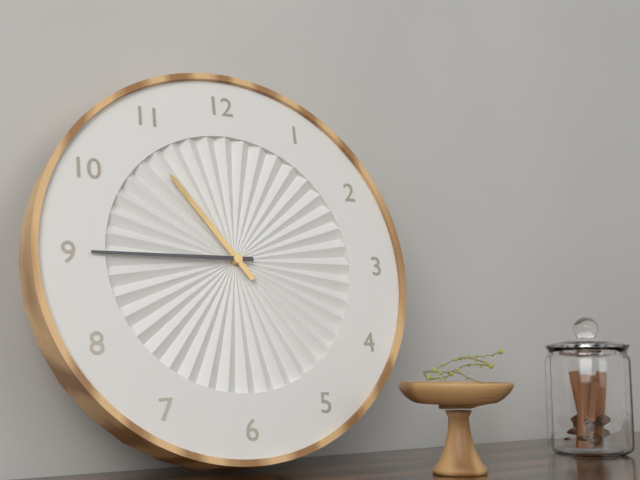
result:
10.45
